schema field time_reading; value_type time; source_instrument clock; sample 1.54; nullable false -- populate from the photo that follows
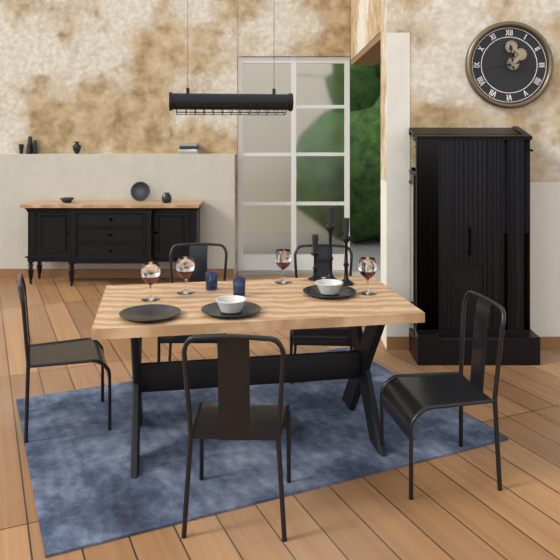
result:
11.43
